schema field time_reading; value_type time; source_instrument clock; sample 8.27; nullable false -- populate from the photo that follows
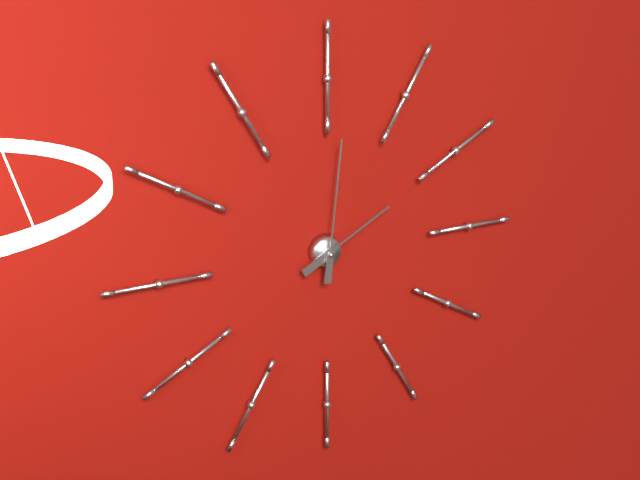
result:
2.01
